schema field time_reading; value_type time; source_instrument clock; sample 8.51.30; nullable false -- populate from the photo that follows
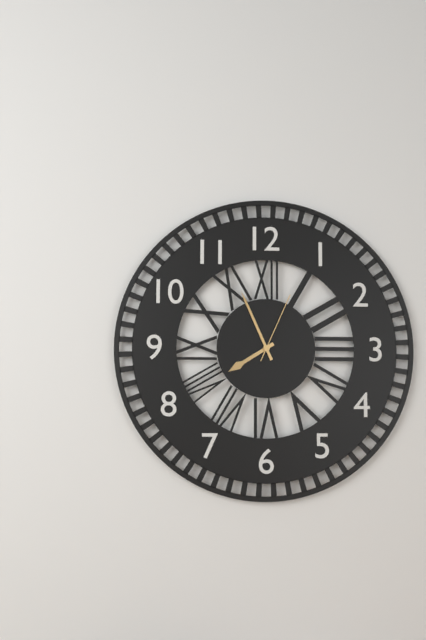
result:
7.56.04
